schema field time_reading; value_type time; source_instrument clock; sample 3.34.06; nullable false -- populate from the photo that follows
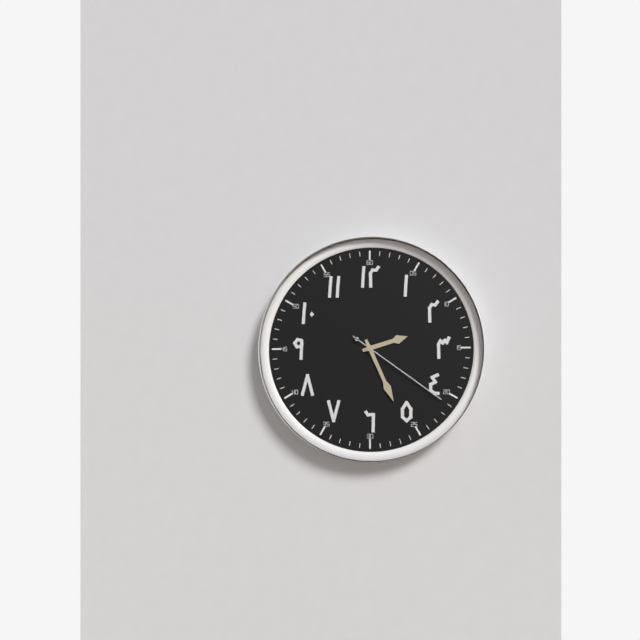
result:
2.26.21
